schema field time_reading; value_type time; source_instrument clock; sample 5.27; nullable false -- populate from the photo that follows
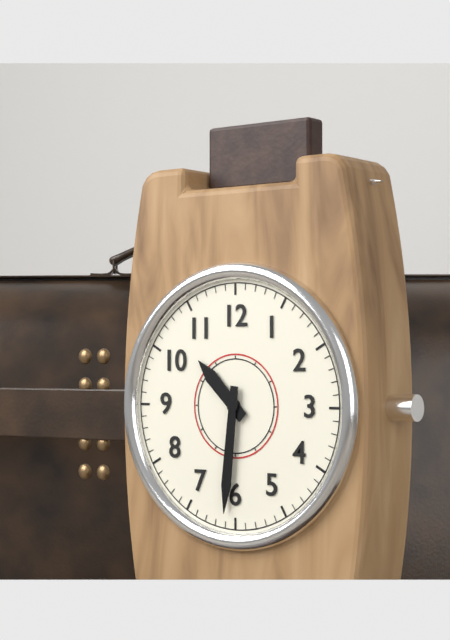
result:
10.31
